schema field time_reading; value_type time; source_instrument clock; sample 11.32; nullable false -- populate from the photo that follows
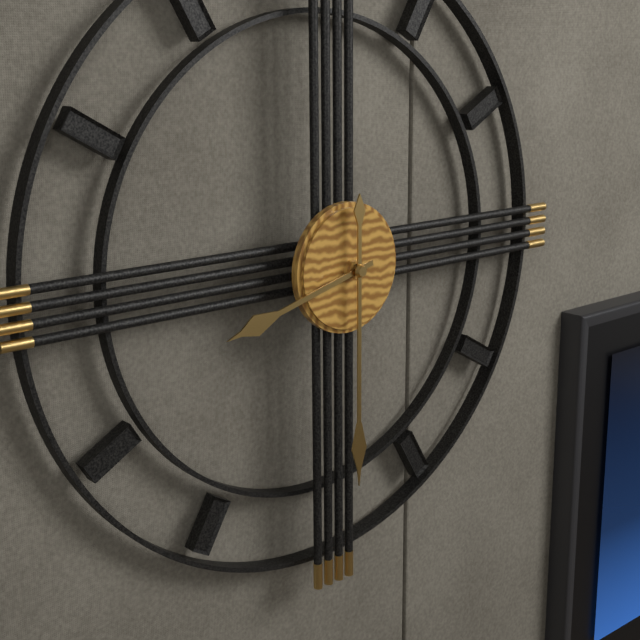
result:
8.30
